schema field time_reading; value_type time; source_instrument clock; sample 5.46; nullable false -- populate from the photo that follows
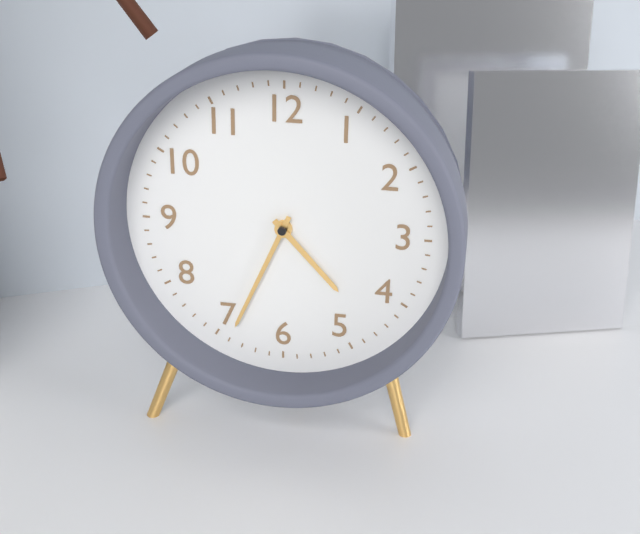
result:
4.34
